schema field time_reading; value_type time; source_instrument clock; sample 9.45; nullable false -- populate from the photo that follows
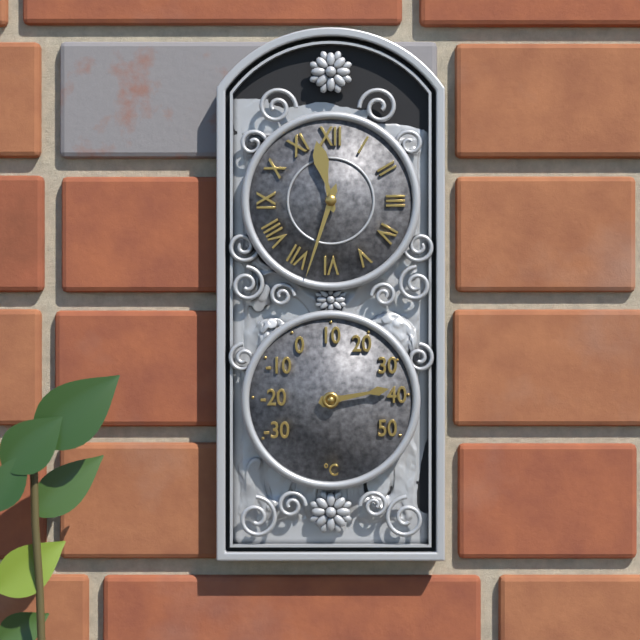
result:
11.33
